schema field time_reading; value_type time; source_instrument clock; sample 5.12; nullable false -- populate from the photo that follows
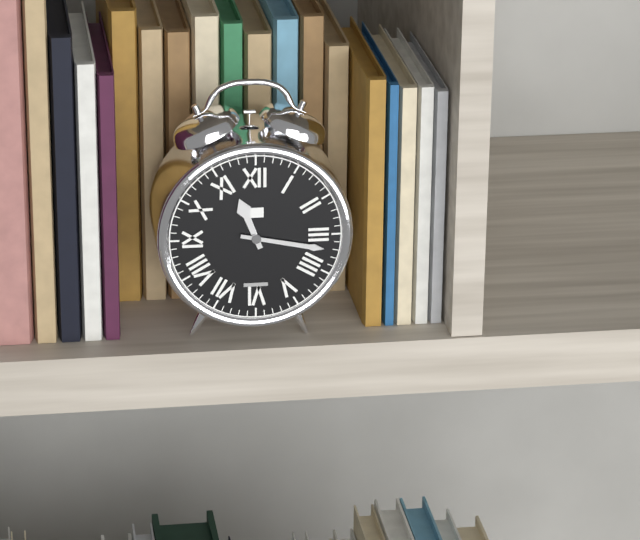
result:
11.17
